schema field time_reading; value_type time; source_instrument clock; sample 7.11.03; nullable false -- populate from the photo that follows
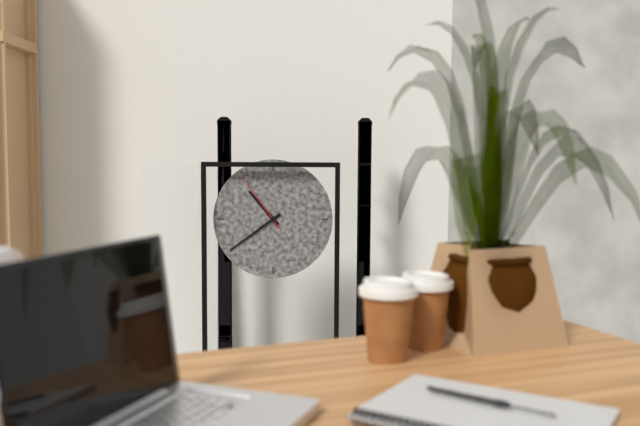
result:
10.39.54
